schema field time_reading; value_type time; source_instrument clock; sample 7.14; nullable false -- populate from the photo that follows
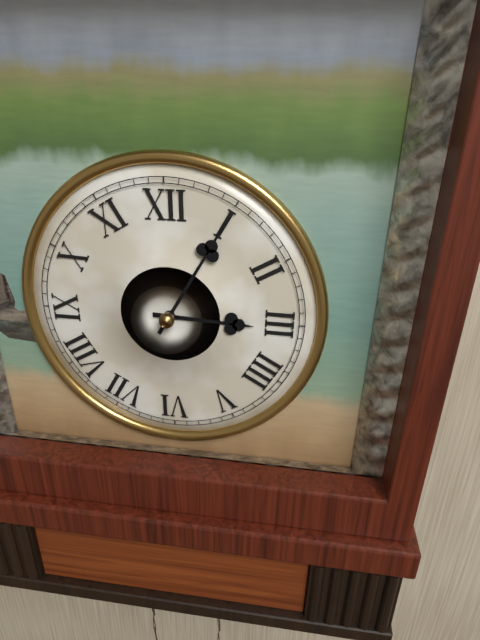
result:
3.05
